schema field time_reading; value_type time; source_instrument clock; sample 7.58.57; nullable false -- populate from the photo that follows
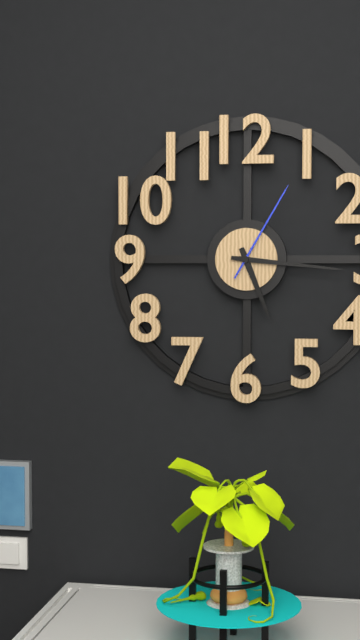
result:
5.16.05
